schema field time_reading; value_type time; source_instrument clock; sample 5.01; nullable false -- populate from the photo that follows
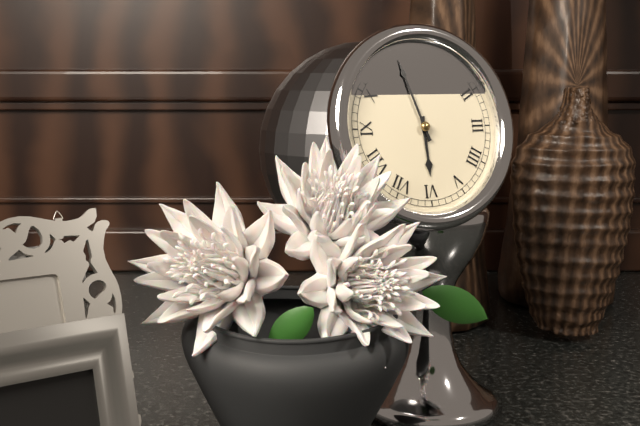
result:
5.57
